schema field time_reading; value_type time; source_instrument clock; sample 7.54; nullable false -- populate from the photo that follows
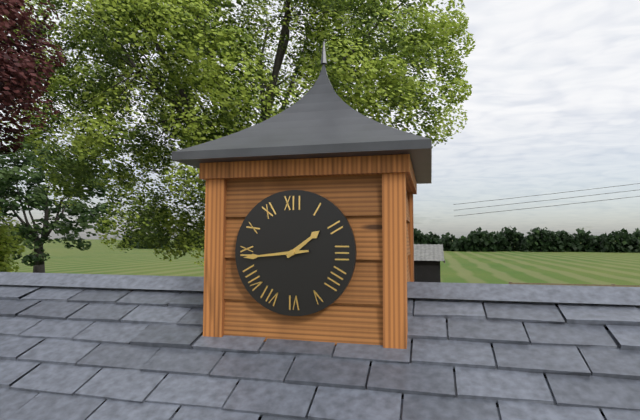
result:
1.44
